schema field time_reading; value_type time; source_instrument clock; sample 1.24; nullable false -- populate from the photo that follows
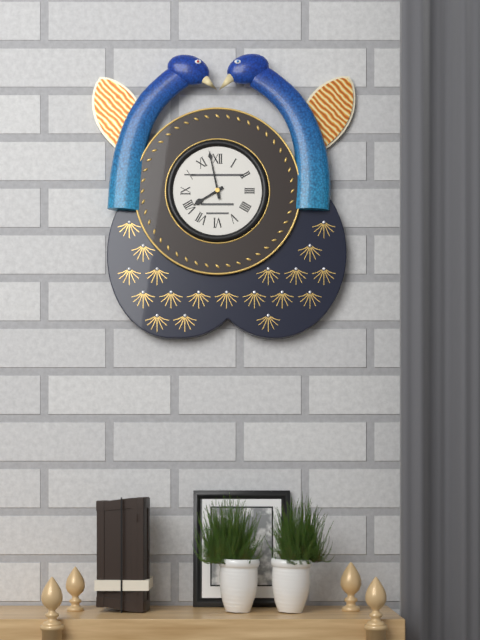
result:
7.58
